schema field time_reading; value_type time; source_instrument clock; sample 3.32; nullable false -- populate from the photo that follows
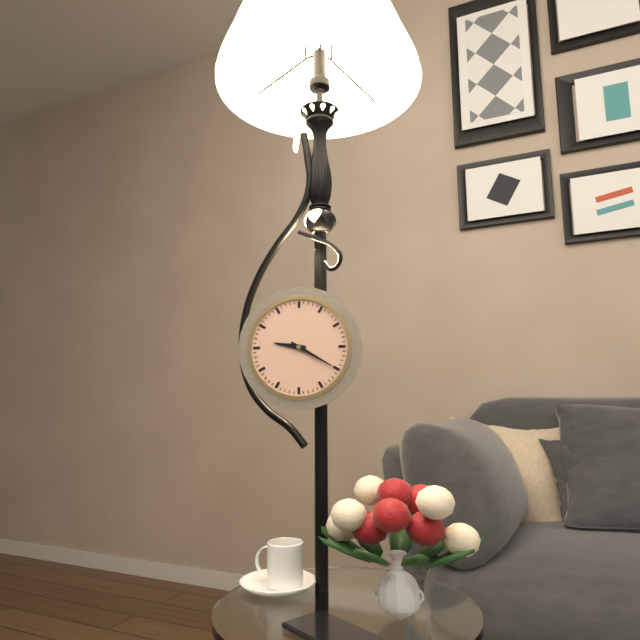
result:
9.20
